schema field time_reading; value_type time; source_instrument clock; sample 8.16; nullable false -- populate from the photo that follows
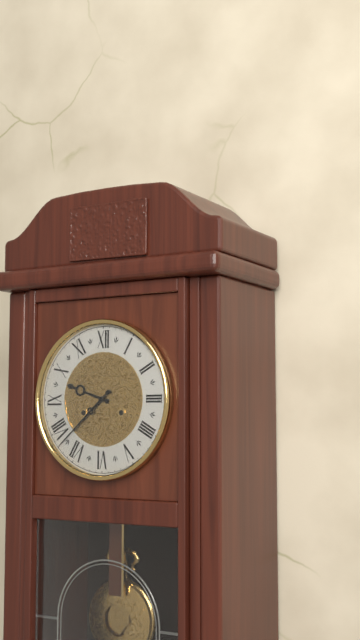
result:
9.38
